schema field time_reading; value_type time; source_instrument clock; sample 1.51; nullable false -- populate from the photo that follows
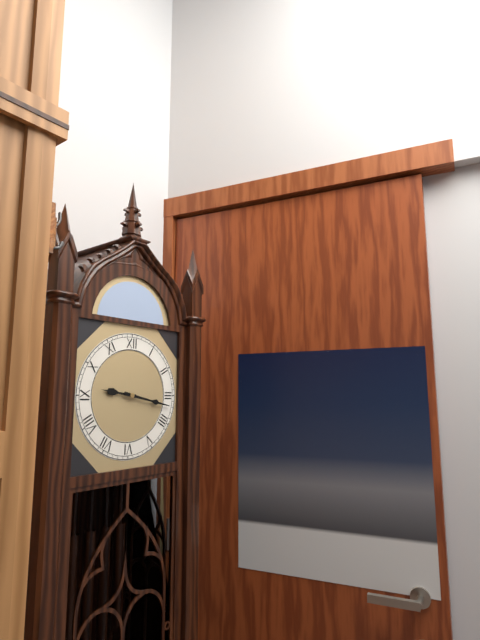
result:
9.17
